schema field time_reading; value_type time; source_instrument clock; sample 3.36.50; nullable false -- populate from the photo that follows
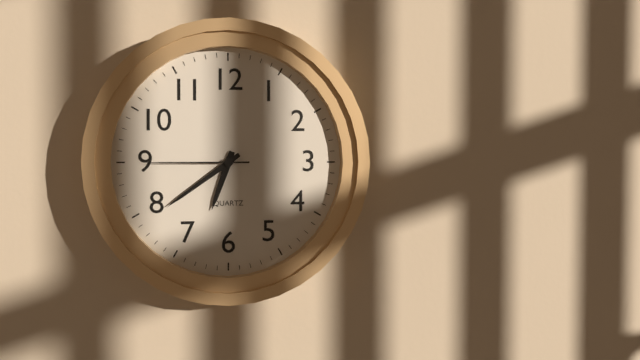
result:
6.39.45
